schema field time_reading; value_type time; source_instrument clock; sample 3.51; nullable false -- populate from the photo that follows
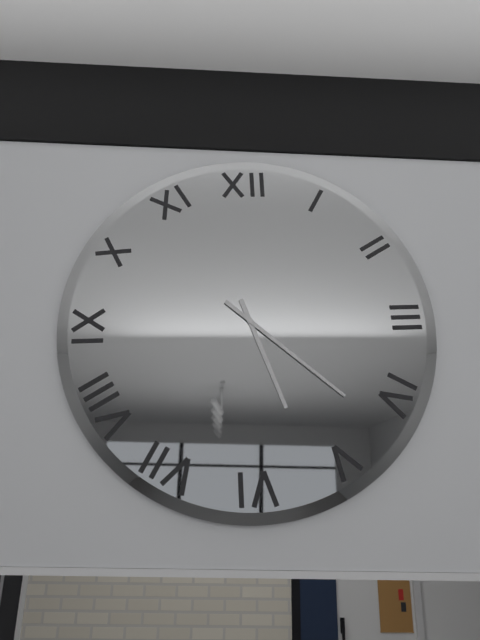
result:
5.22
